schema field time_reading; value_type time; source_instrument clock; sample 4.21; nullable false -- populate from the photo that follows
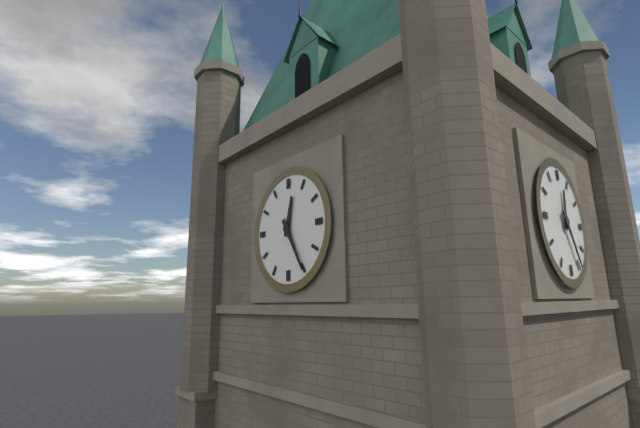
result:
12.25
